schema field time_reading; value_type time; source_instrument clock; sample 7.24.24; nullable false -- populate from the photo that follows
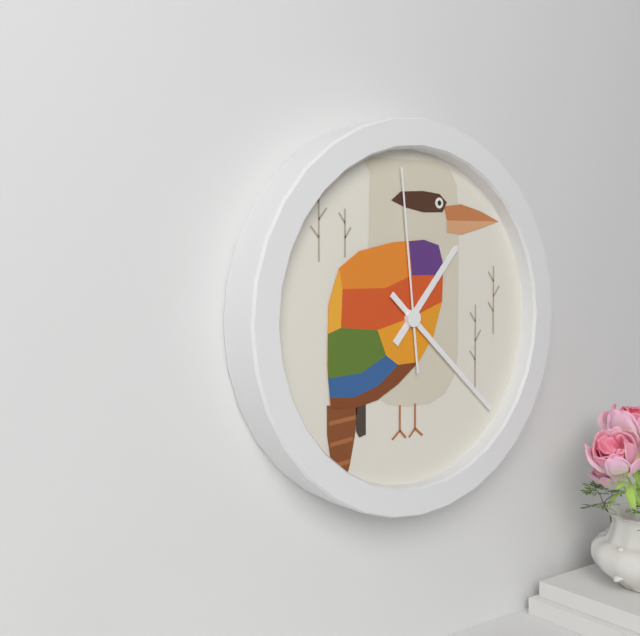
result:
1.22.59
